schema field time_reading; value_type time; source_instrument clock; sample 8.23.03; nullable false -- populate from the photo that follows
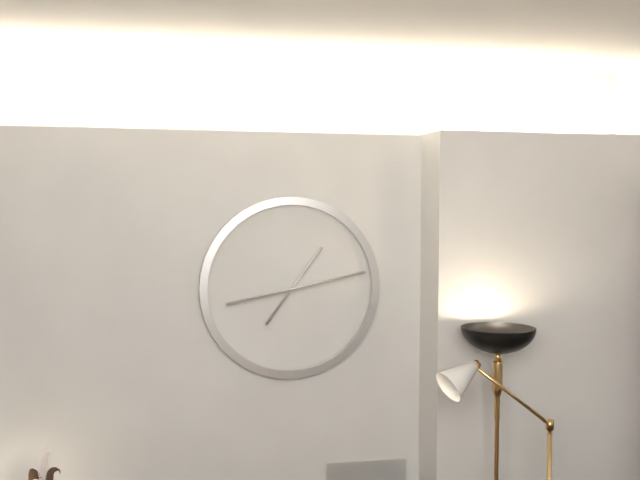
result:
1.13.13
